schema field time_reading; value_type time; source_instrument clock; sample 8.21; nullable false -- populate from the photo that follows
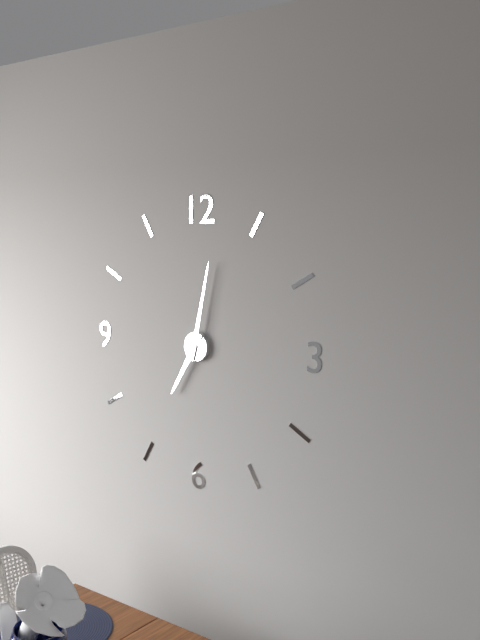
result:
7.02
